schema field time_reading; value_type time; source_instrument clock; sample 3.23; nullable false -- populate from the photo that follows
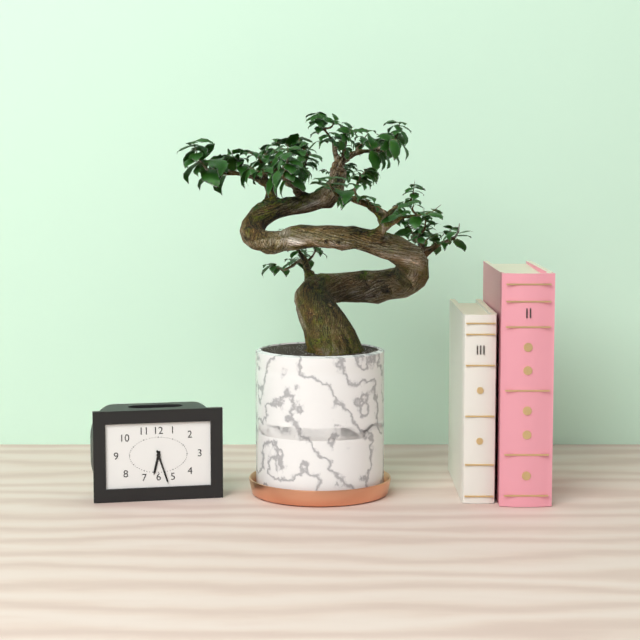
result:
6.27
